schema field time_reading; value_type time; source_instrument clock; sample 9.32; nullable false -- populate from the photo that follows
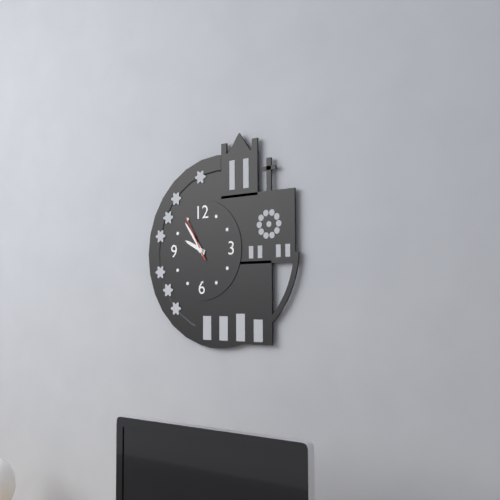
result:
9.54
